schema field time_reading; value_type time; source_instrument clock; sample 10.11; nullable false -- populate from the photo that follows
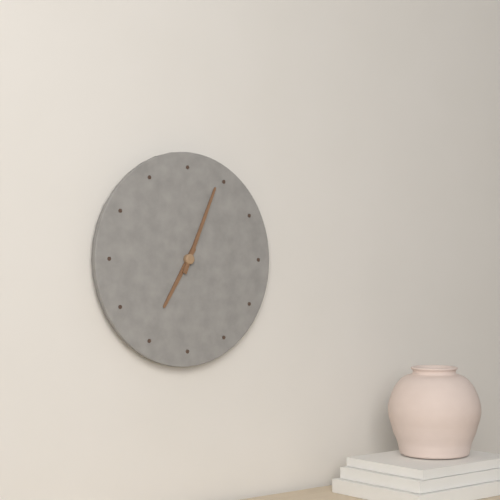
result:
7.04
